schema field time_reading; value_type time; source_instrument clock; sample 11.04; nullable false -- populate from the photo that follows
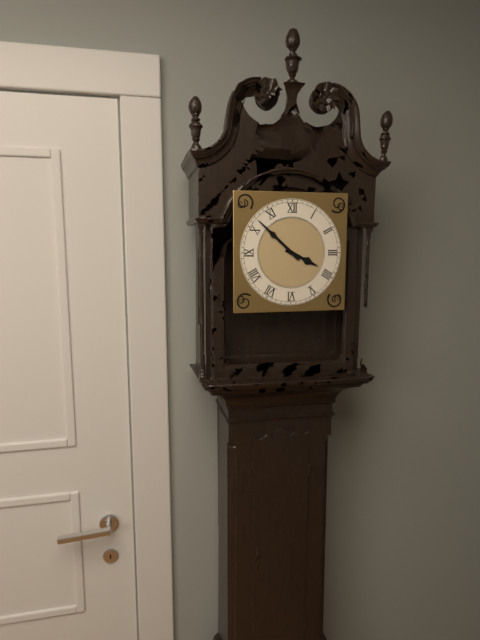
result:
3.52
